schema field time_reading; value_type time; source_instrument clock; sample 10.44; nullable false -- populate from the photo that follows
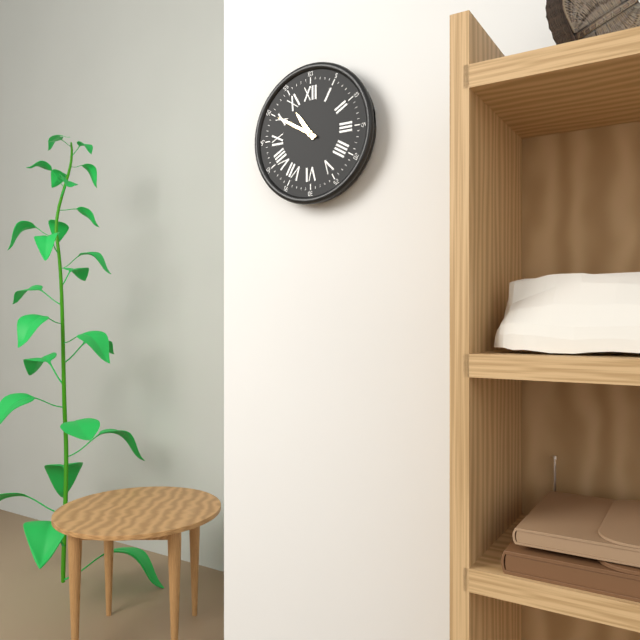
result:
10.50
